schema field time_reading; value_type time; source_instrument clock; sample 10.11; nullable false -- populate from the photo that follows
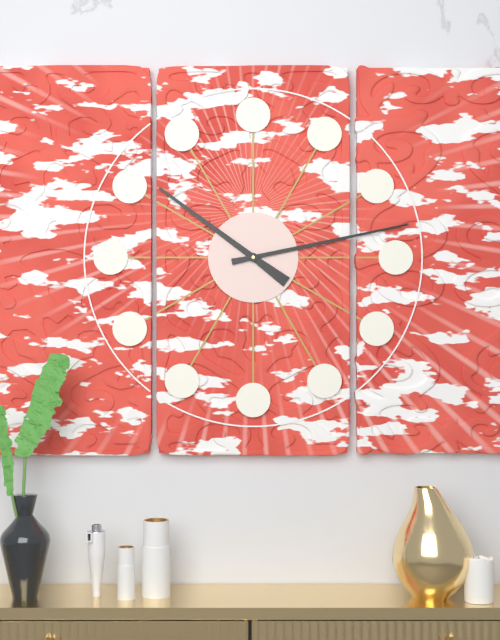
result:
10.13
